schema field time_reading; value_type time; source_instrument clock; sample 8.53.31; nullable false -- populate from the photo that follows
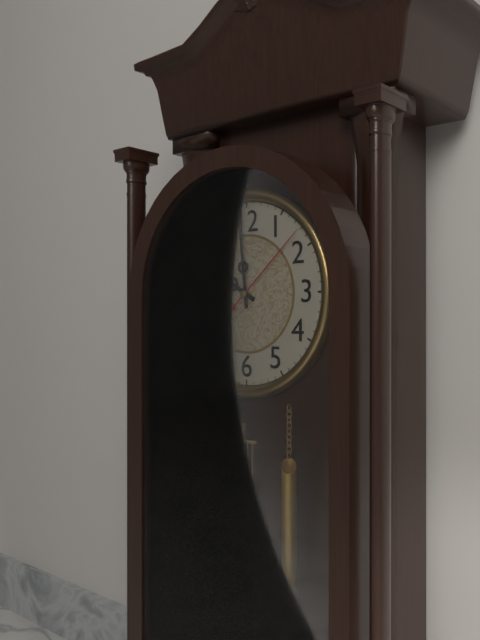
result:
9.59.08
